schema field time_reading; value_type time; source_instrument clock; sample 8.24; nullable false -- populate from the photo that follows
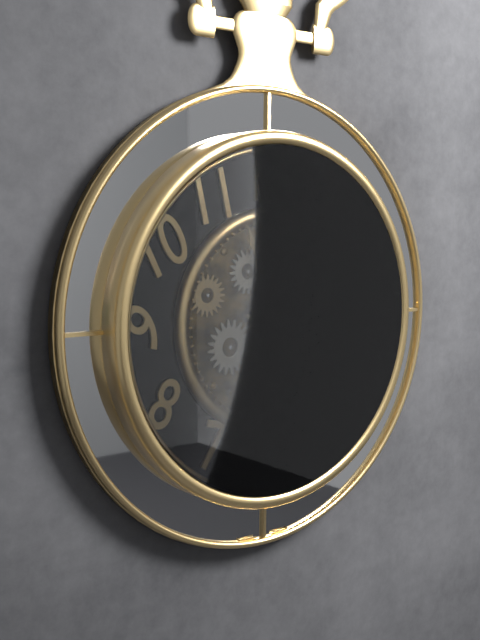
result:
11.17
